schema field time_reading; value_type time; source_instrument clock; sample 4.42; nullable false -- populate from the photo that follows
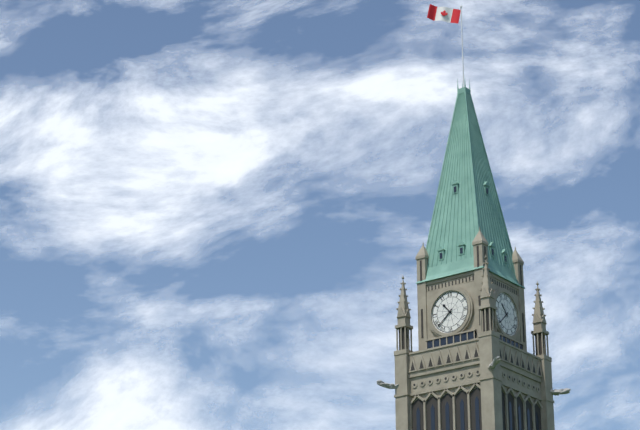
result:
10.38
